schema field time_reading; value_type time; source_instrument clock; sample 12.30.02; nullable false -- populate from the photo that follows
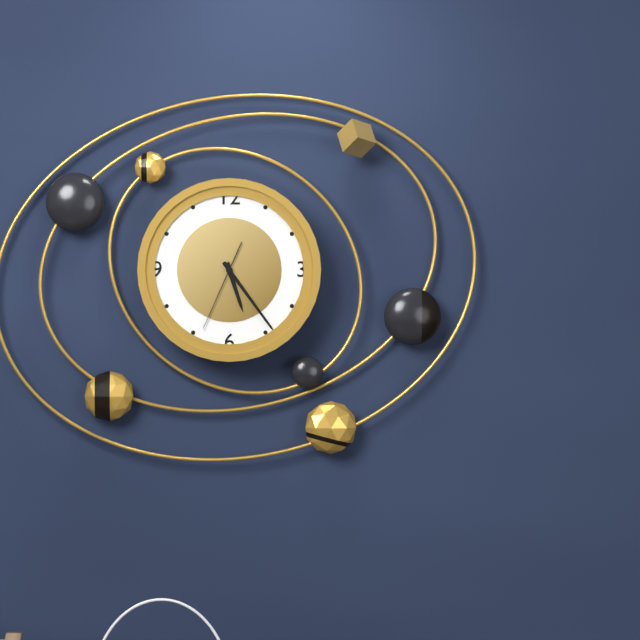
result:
5.24.34
